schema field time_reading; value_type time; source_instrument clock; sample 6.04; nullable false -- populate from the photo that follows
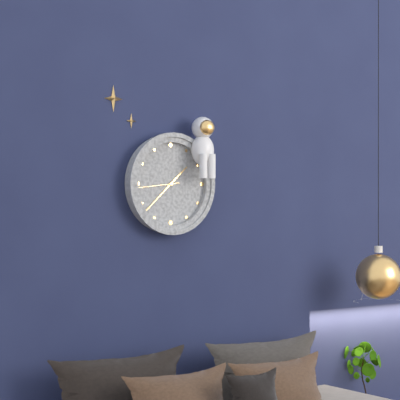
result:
1.38
